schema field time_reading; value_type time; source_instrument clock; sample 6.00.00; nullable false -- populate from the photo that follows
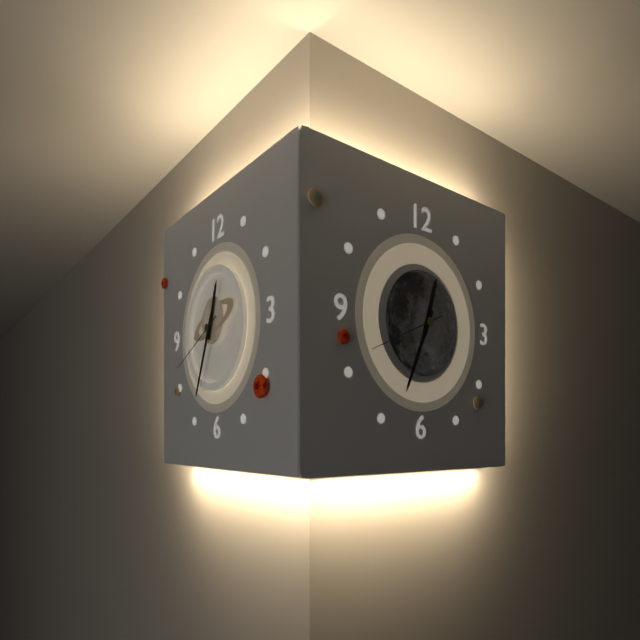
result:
12.34.41
